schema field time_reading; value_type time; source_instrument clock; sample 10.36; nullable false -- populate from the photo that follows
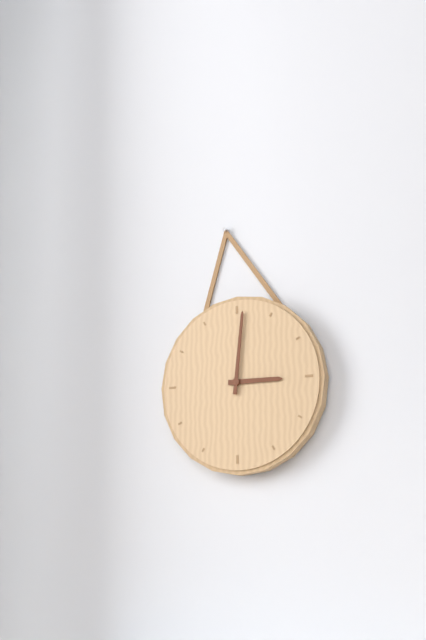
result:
3.01
